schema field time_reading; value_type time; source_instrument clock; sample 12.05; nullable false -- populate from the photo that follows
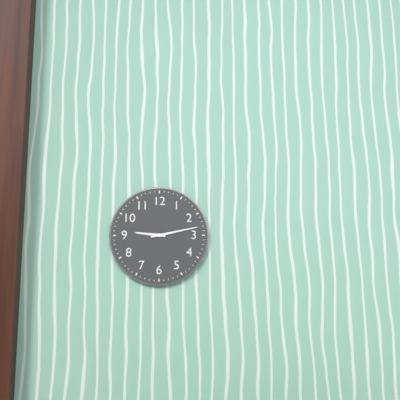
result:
9.13
